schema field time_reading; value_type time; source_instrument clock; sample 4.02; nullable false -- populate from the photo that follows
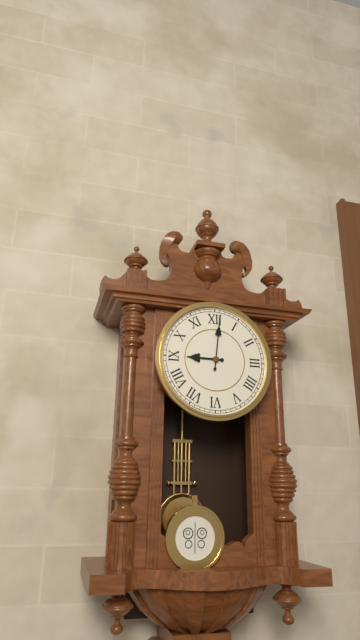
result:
9.01
